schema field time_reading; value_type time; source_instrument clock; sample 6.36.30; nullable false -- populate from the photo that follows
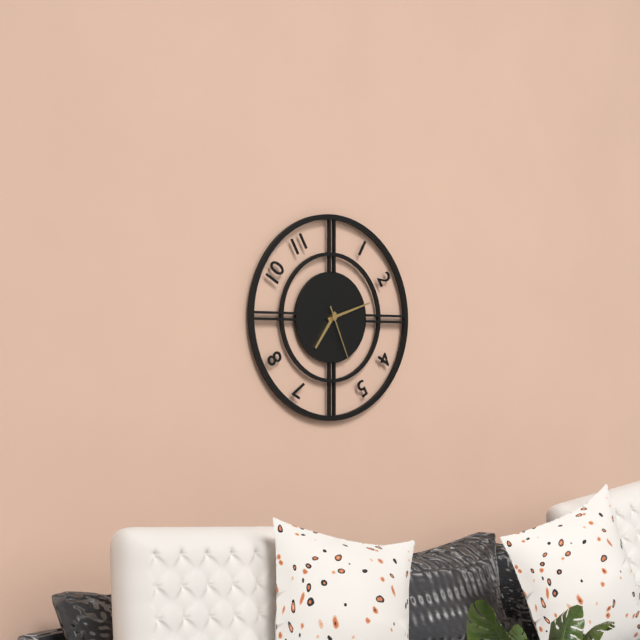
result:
7.12.26
